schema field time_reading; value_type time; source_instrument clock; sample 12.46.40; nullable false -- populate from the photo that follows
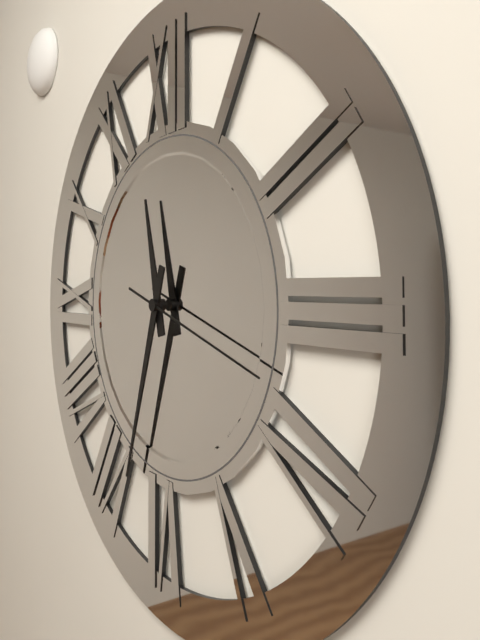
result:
11.33.18
